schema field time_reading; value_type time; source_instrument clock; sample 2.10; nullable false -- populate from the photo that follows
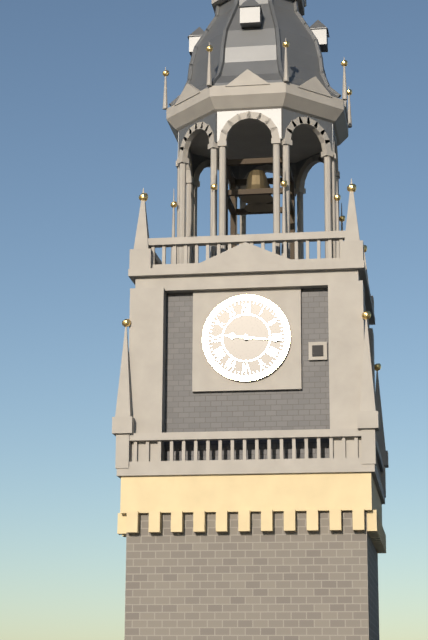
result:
9.16
